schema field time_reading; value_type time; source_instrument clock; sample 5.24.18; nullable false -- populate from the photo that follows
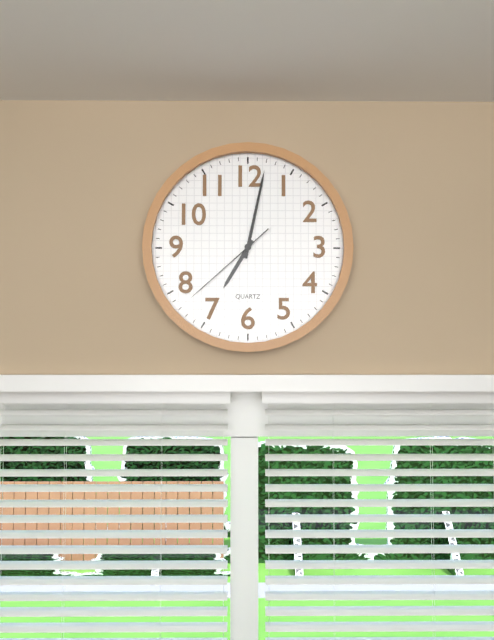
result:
7.02.38
